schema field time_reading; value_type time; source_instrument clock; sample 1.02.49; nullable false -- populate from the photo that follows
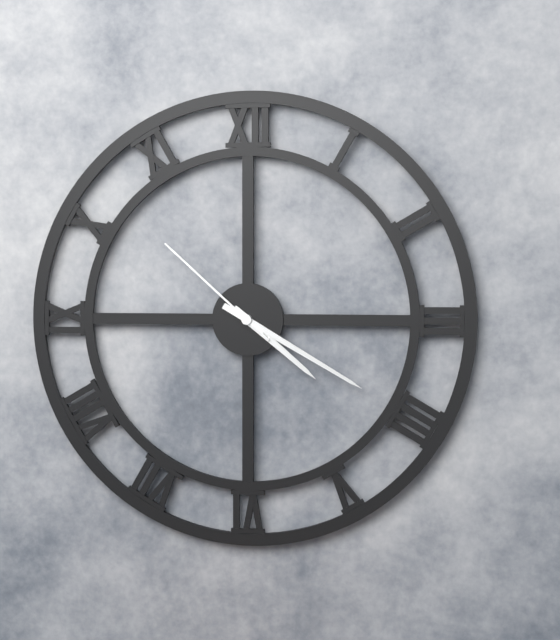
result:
4.20.52
